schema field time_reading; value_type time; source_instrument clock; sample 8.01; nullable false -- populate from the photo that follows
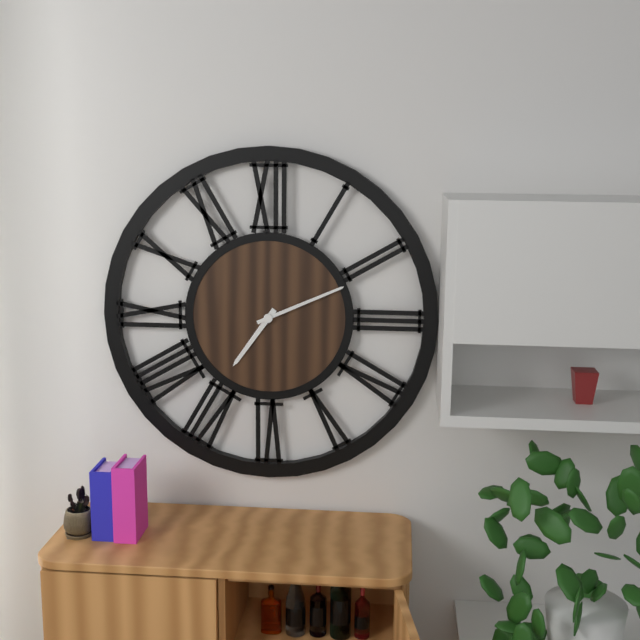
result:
7.11
